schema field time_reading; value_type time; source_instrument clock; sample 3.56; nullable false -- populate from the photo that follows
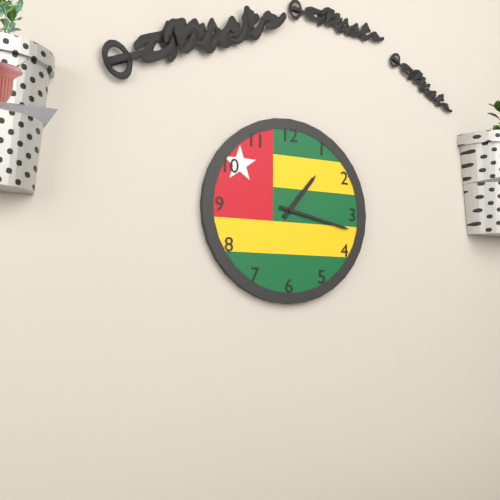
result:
1.17
